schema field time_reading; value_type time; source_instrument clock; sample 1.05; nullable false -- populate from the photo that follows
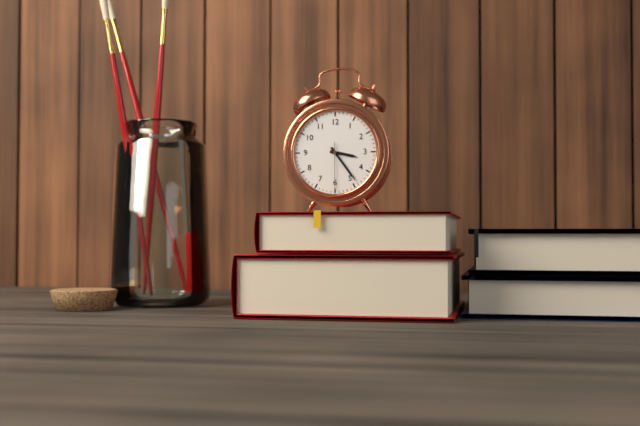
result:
3.24
